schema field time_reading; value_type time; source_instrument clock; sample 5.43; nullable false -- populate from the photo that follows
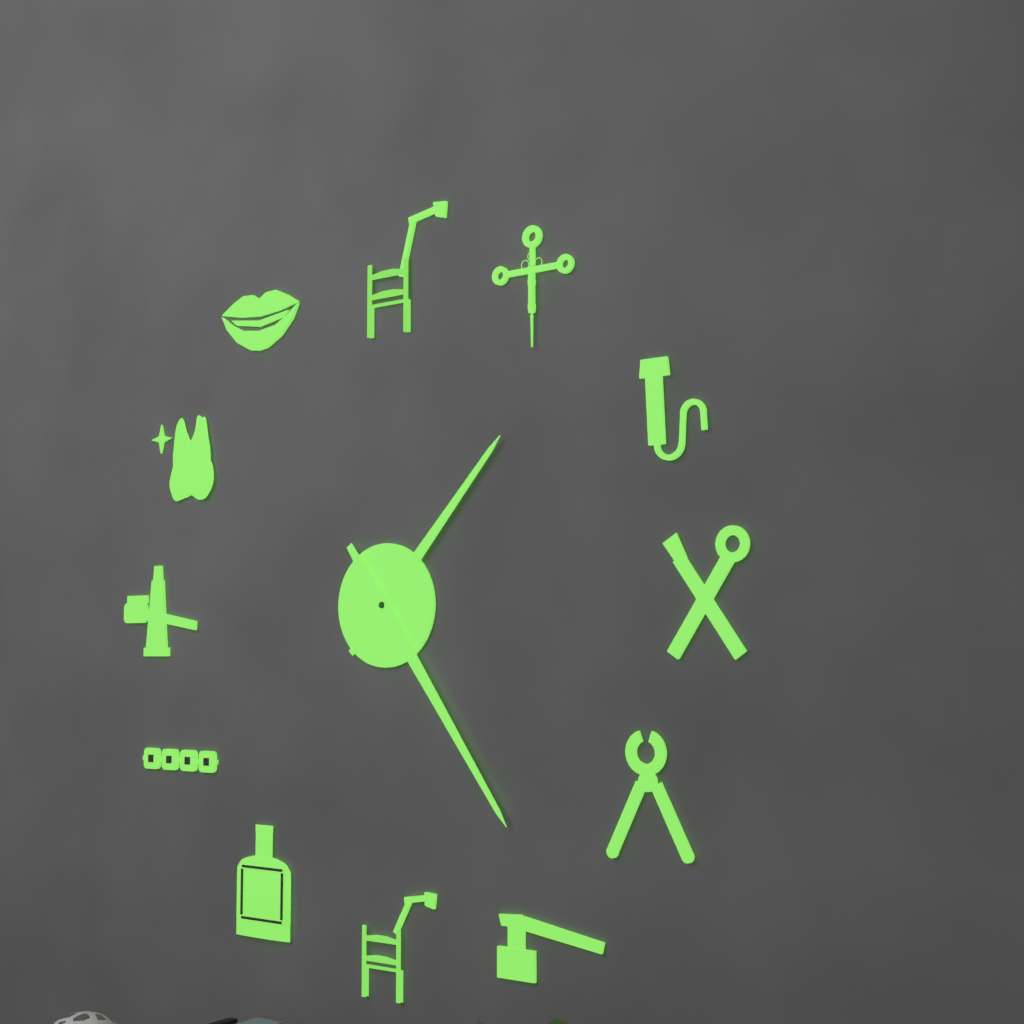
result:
1.24
